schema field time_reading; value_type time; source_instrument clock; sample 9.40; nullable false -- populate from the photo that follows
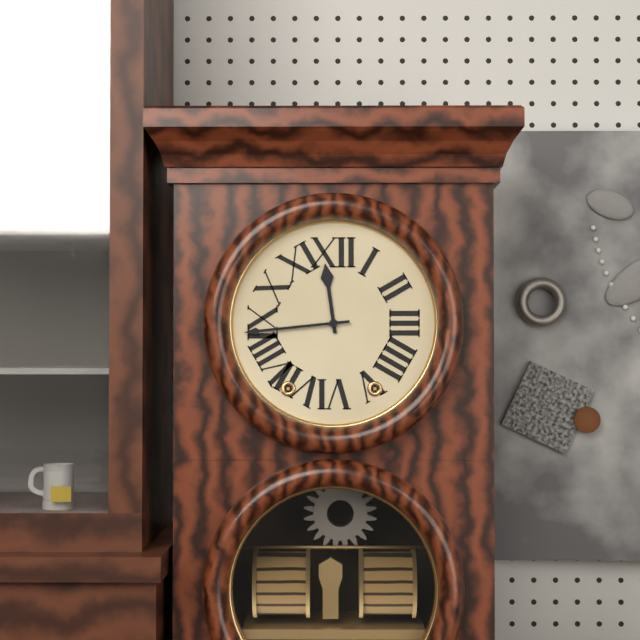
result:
11.44
